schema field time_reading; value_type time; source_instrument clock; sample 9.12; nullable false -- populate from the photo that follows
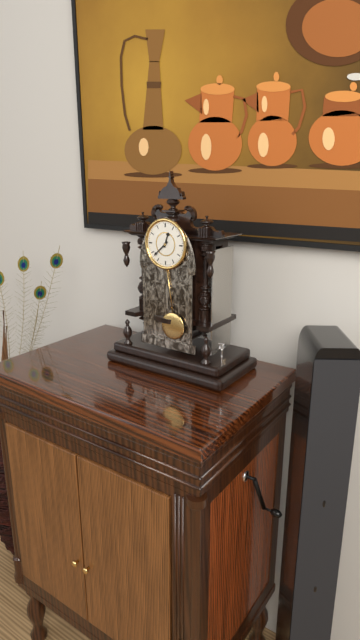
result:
12.38
